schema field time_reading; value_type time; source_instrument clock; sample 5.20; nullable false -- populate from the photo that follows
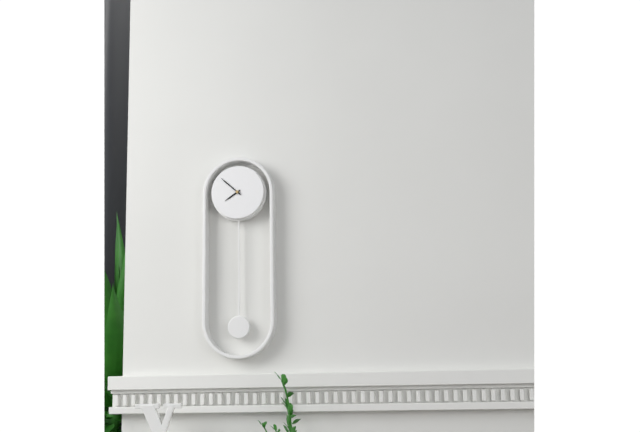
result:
7.52
